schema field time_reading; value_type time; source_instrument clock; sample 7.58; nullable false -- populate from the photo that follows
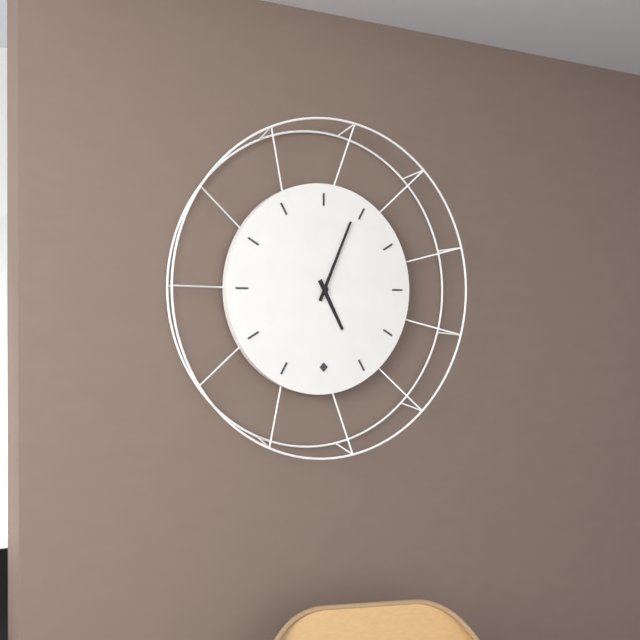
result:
5.04
